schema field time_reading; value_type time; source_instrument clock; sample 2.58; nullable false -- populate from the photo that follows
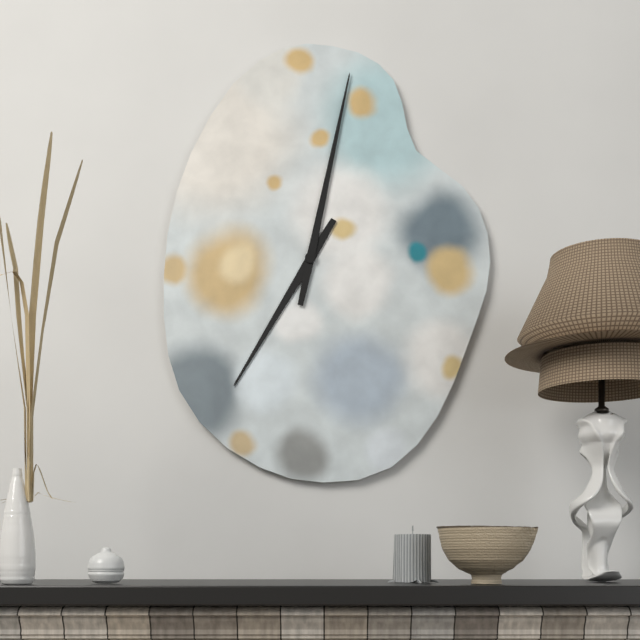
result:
7.02
